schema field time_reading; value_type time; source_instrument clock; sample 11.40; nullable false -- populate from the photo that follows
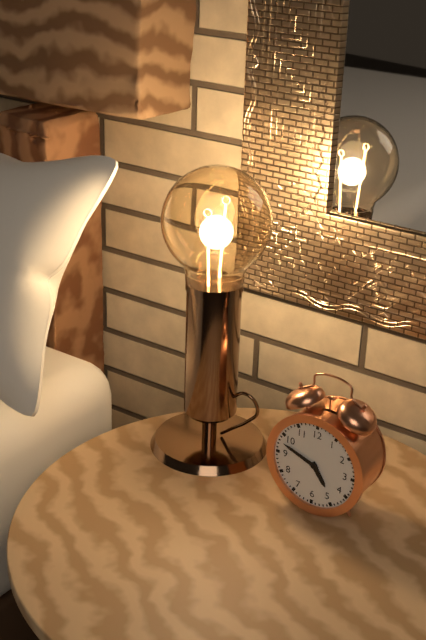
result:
4.48
